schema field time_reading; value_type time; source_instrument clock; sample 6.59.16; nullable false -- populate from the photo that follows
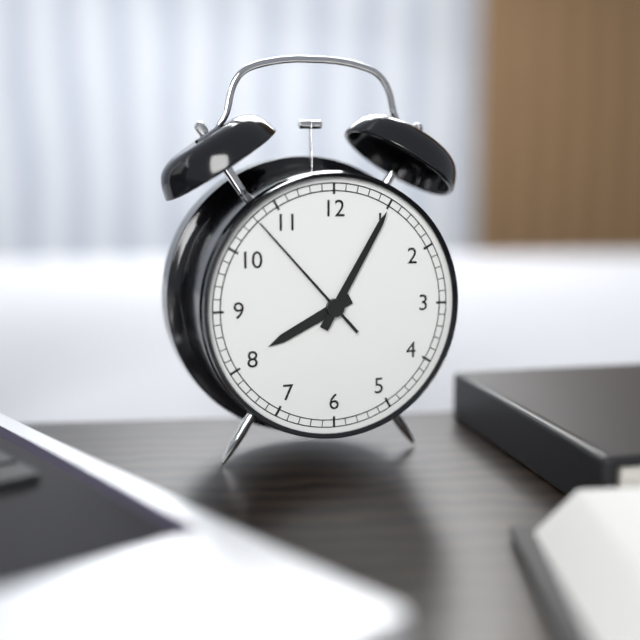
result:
8.05.53
